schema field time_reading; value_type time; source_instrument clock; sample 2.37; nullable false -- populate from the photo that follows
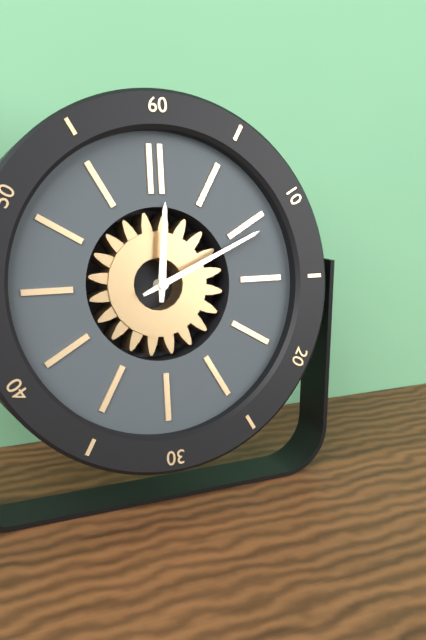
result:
12.11
